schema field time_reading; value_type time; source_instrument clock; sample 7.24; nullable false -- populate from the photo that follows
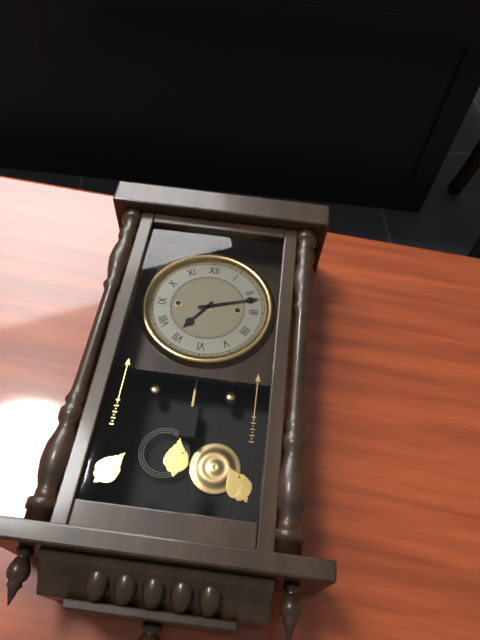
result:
7.12
